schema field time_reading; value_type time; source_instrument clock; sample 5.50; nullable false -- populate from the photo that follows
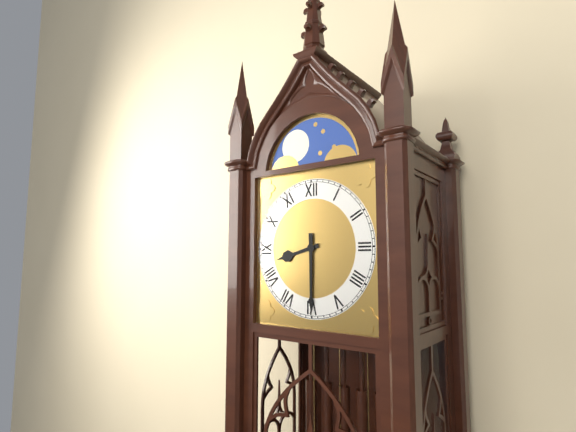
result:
8.30
